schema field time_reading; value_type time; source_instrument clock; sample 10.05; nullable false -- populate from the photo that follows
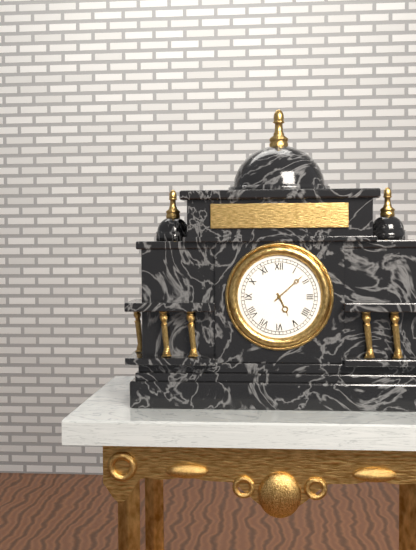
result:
5.08
